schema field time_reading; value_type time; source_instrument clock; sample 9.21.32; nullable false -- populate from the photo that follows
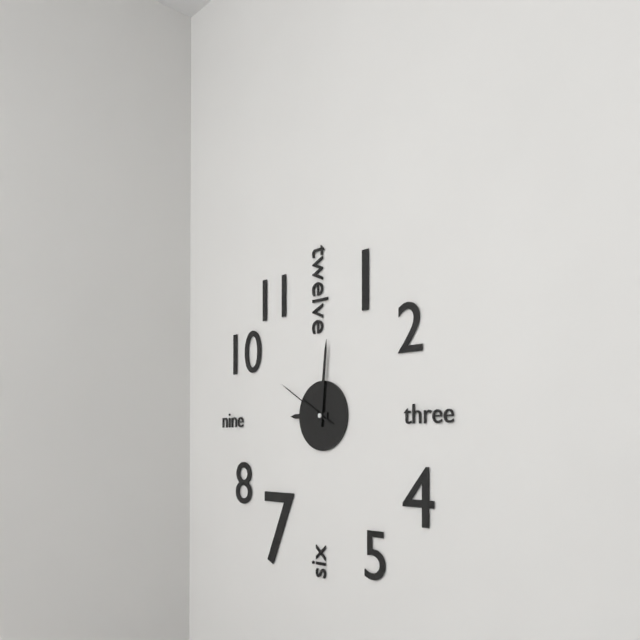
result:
9.01.50
